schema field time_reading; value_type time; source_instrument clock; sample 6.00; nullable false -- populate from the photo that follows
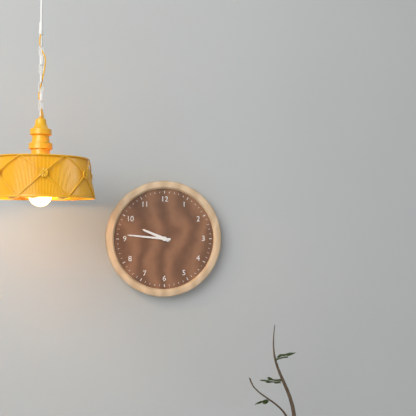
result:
9.46
